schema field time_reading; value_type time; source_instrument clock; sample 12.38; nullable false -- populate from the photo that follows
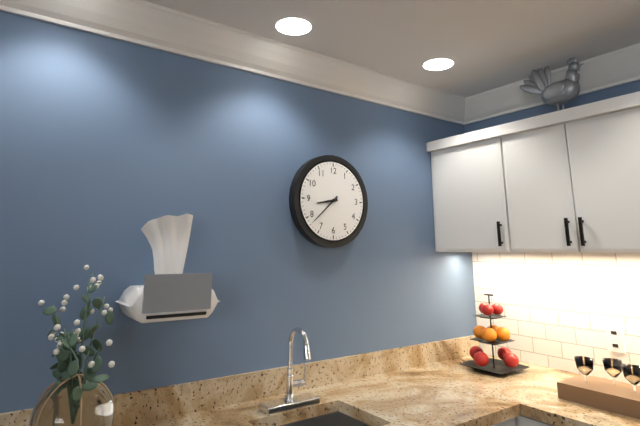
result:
8.38
